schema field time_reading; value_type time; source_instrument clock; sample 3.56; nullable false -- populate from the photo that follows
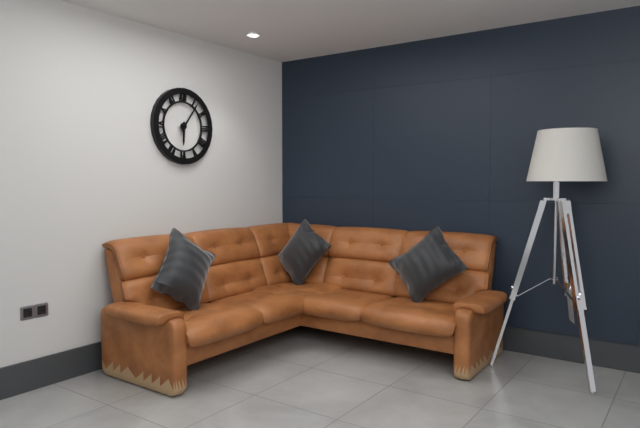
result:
6.06
